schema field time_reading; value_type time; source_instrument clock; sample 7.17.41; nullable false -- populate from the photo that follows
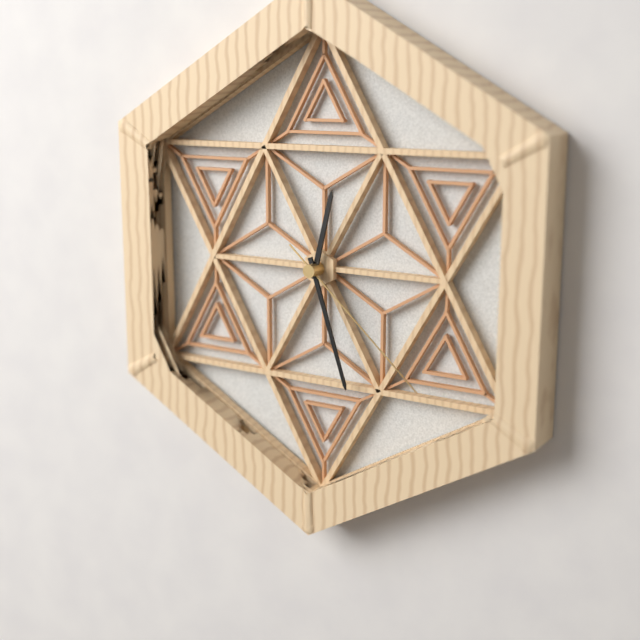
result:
12.27.22
